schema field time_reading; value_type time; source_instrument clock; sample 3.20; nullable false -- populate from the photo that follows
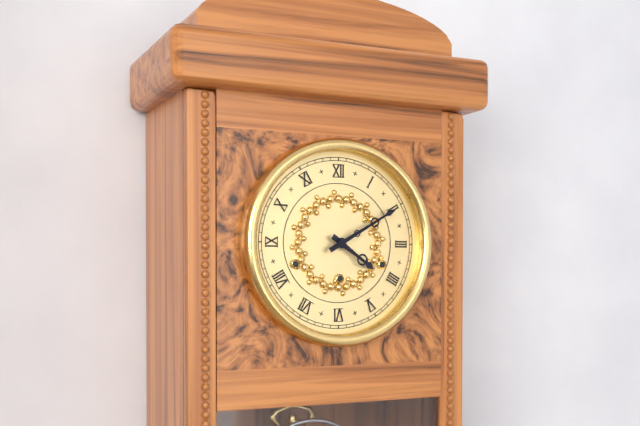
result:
4.10
